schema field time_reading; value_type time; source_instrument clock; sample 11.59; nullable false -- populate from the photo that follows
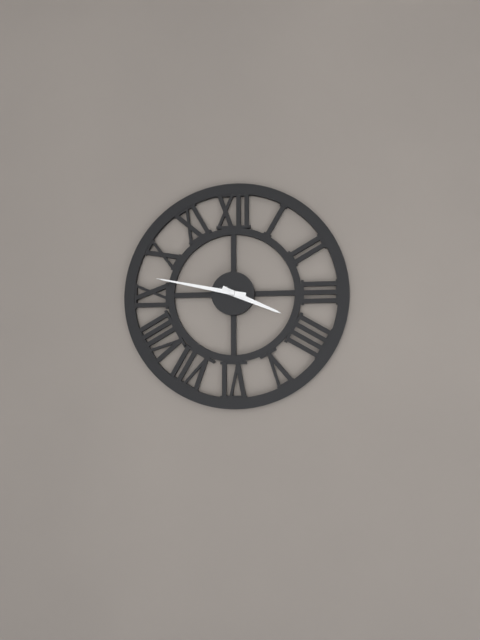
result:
3.47
